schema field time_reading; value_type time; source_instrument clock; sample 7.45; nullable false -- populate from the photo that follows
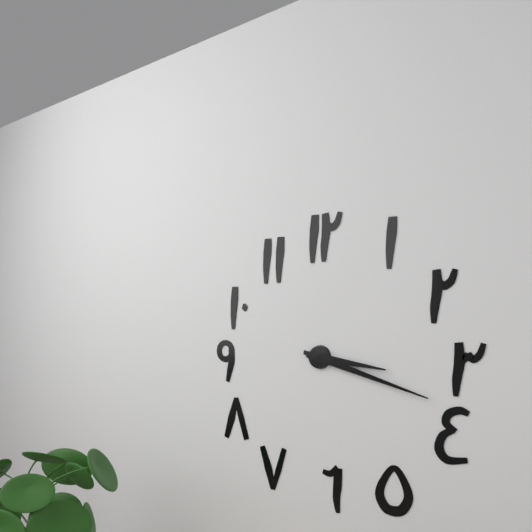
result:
3.18
